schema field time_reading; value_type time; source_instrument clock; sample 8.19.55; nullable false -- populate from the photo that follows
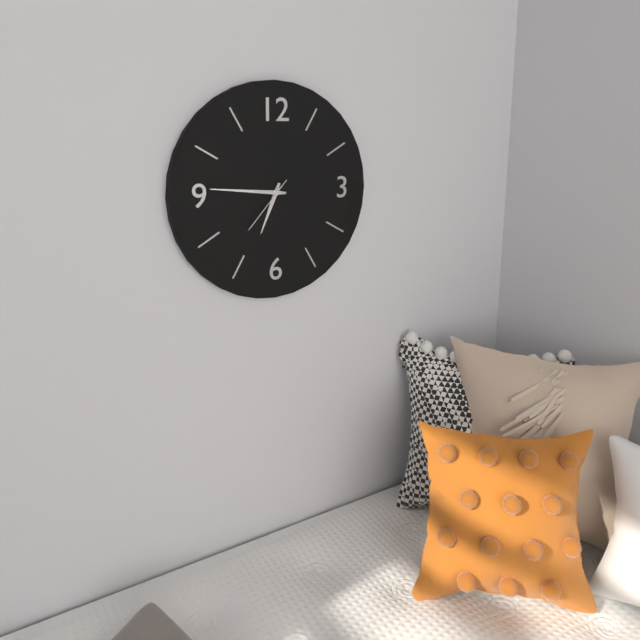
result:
6.46.37
